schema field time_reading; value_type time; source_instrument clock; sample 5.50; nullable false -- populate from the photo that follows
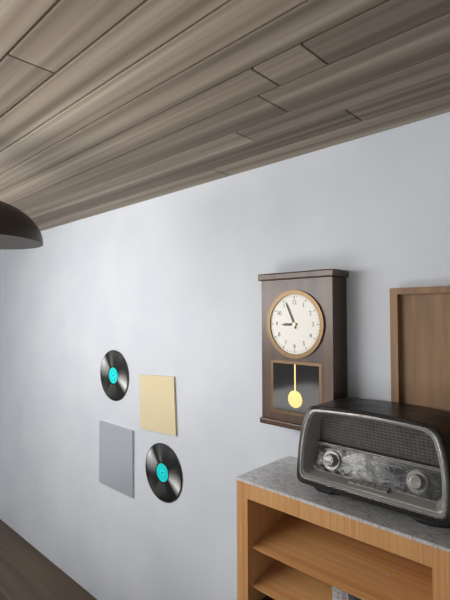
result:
8.56
